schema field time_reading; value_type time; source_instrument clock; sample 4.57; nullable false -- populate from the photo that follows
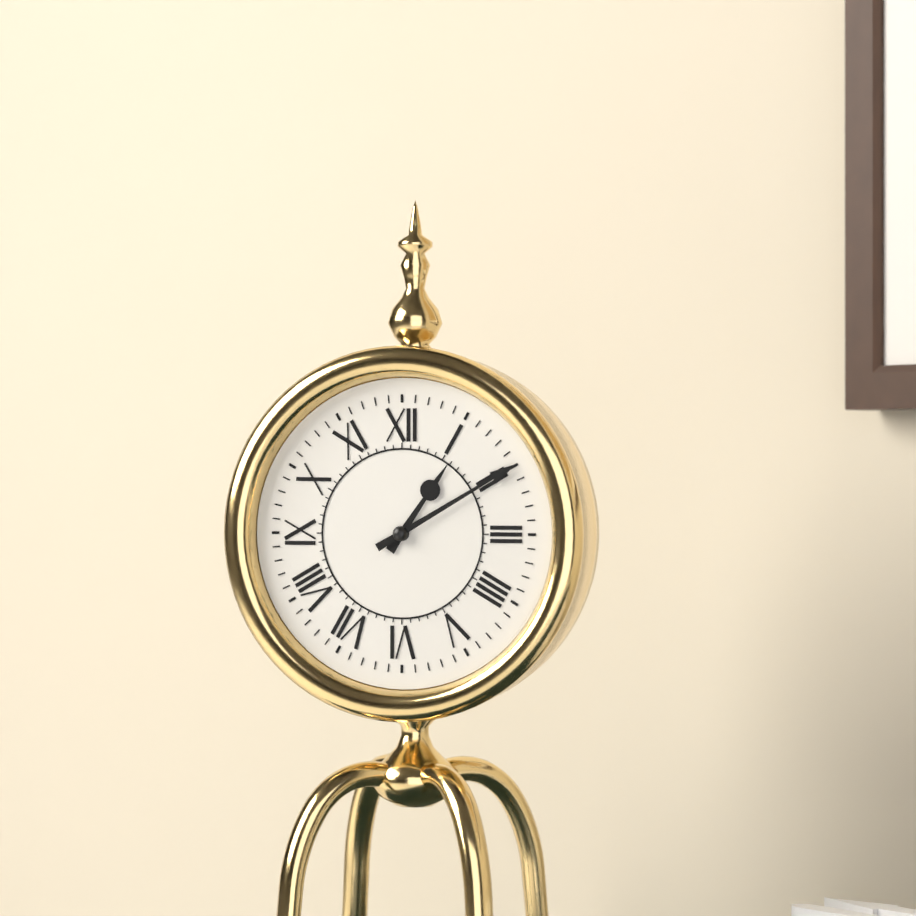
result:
1.10
